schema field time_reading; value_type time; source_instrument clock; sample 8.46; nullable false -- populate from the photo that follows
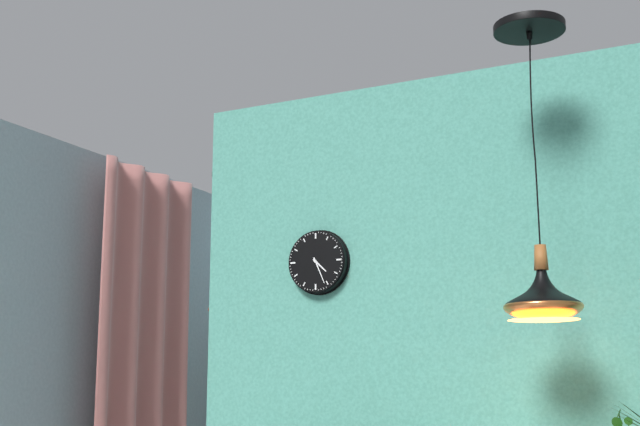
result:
4.26
